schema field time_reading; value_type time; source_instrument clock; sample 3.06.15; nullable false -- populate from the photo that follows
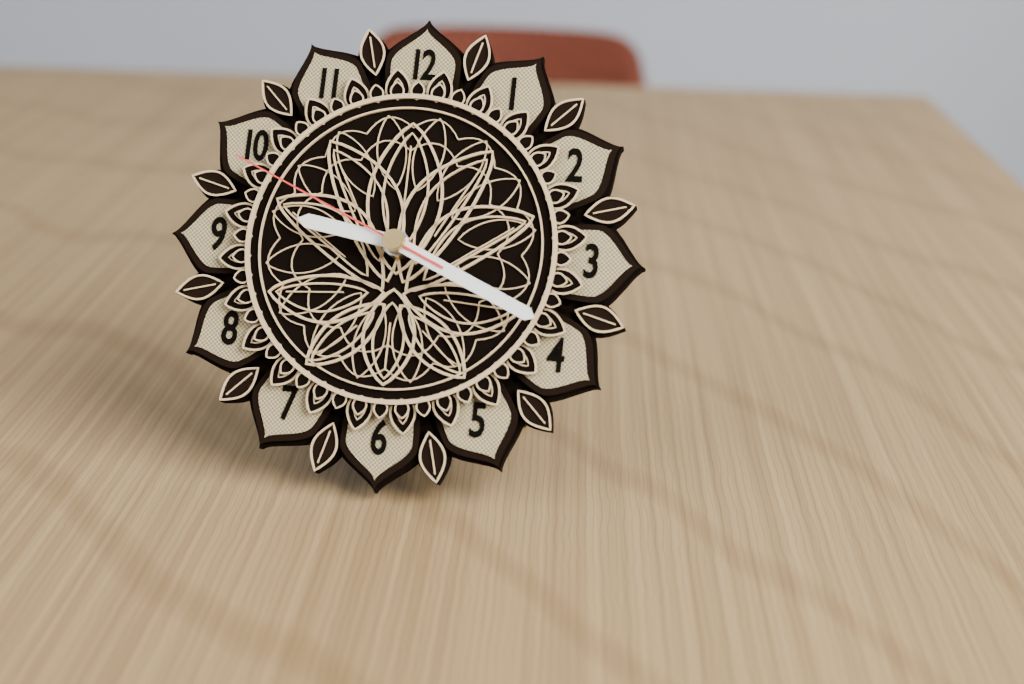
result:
9.19.49
